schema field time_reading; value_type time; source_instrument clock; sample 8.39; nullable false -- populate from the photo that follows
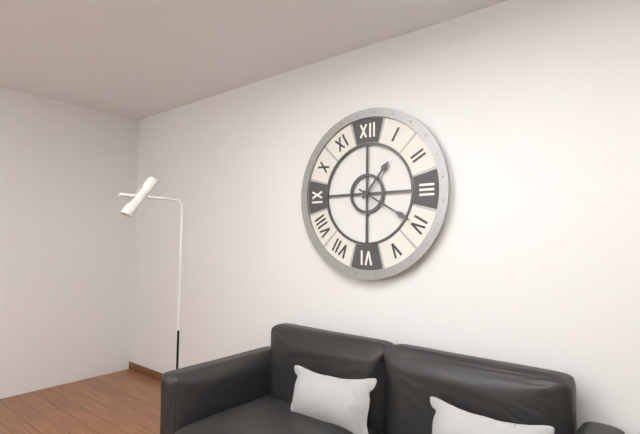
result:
1.20
